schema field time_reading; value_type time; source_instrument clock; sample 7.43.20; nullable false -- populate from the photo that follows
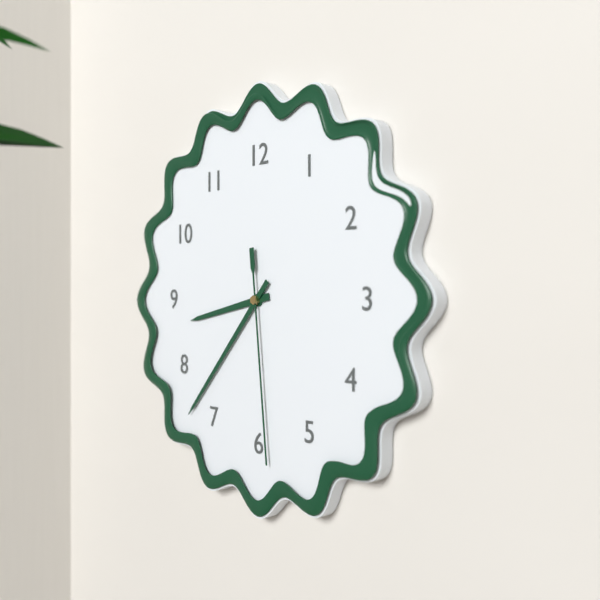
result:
8.37.29
